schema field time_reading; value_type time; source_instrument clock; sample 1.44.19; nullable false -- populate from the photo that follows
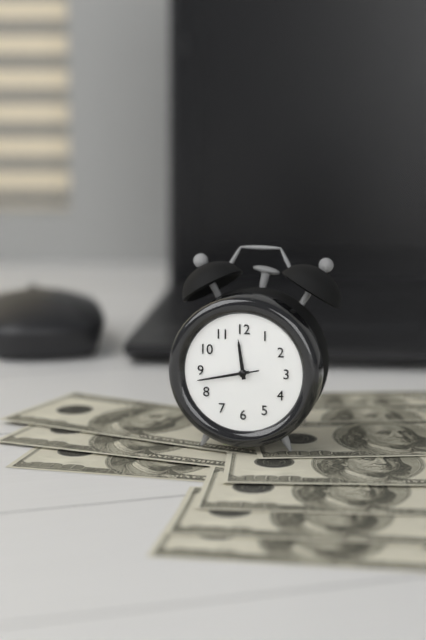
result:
11.43.43
